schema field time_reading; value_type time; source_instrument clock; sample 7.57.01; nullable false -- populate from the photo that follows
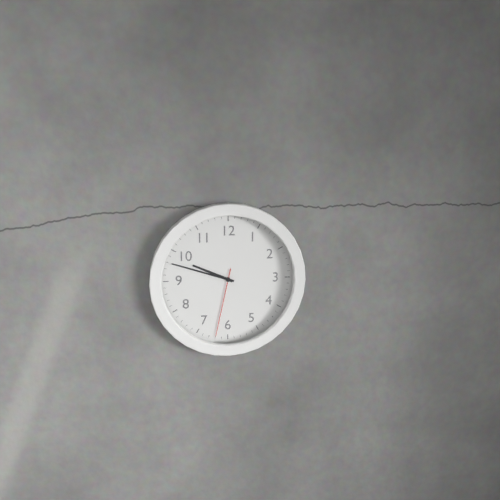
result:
9.48.32
